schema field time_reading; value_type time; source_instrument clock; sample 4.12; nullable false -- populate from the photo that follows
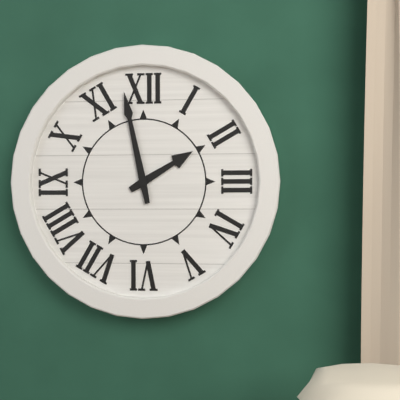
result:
1.58
